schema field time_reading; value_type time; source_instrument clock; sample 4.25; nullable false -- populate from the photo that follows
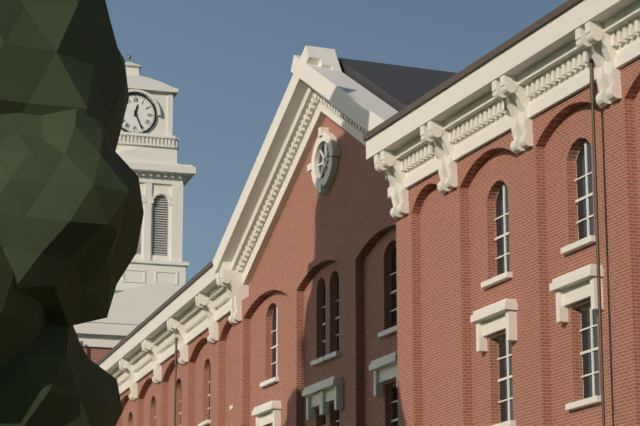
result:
12.26
